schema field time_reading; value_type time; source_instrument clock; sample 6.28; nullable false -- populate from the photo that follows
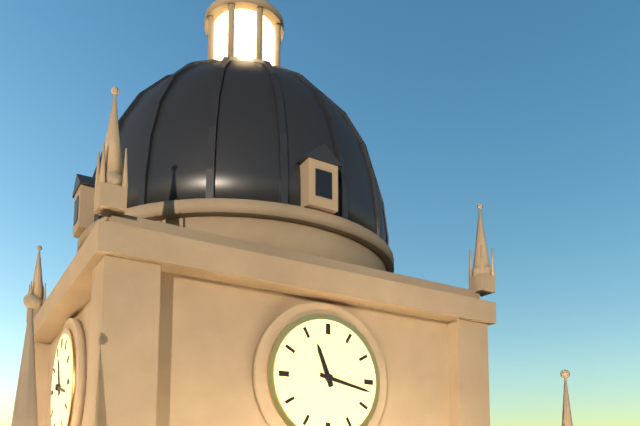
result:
11.17
